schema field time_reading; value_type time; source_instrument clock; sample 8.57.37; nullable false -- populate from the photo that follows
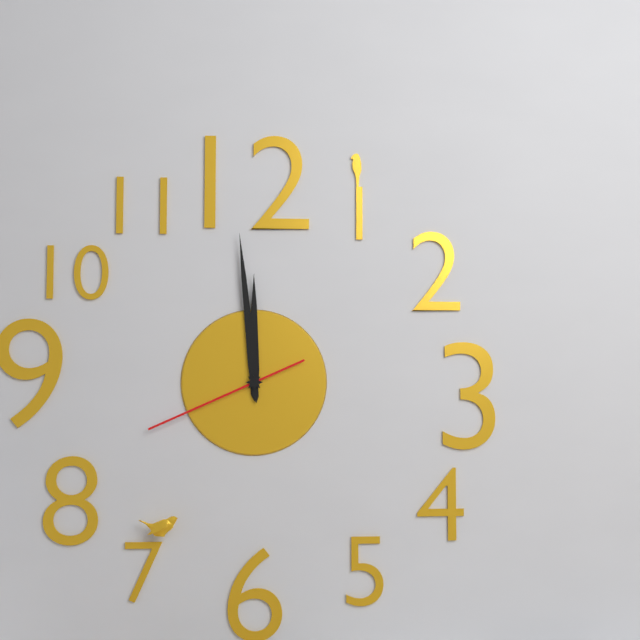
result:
11.59.41
